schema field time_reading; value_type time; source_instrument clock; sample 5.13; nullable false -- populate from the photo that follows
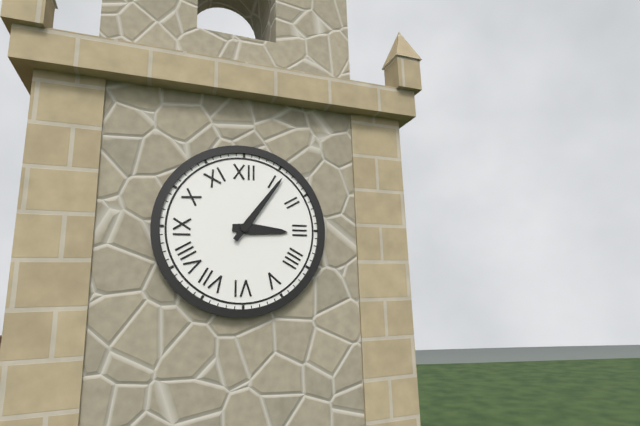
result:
3.06
